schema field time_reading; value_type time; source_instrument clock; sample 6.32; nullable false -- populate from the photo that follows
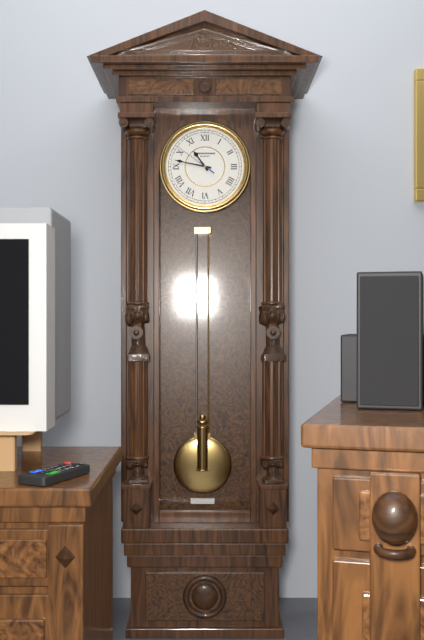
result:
10.47
